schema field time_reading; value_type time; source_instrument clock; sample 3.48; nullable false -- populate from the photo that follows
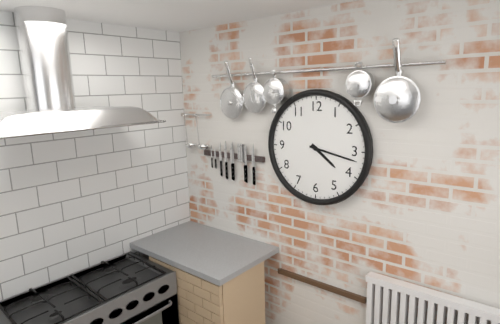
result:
4.17
